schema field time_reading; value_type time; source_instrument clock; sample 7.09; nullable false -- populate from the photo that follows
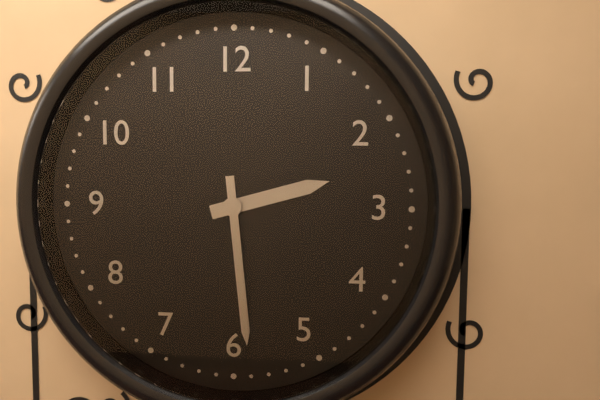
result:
2.29
